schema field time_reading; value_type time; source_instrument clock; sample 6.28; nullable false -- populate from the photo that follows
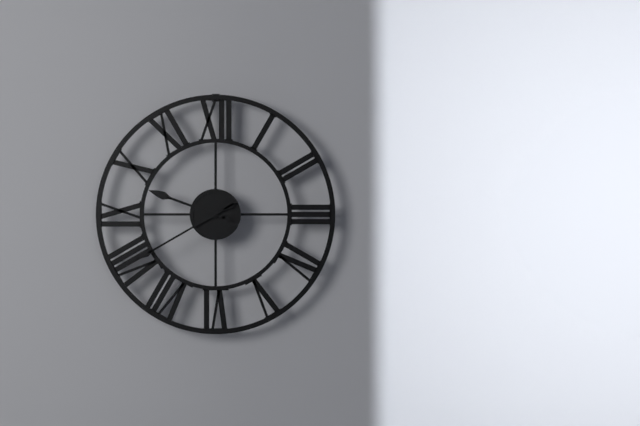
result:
9.40
